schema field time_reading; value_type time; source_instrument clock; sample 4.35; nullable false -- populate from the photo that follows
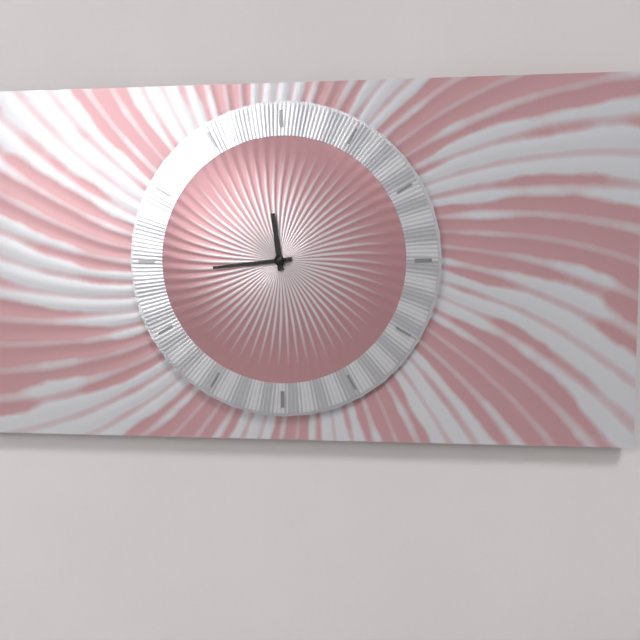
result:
11.44
